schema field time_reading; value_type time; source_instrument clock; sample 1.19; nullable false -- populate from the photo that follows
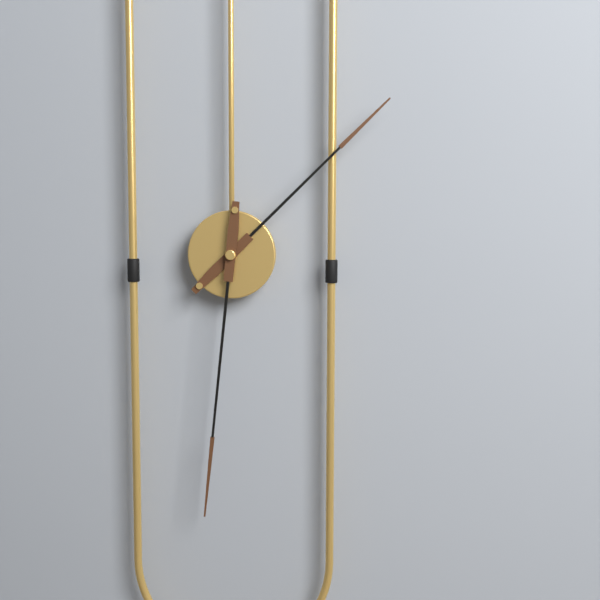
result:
1.31
